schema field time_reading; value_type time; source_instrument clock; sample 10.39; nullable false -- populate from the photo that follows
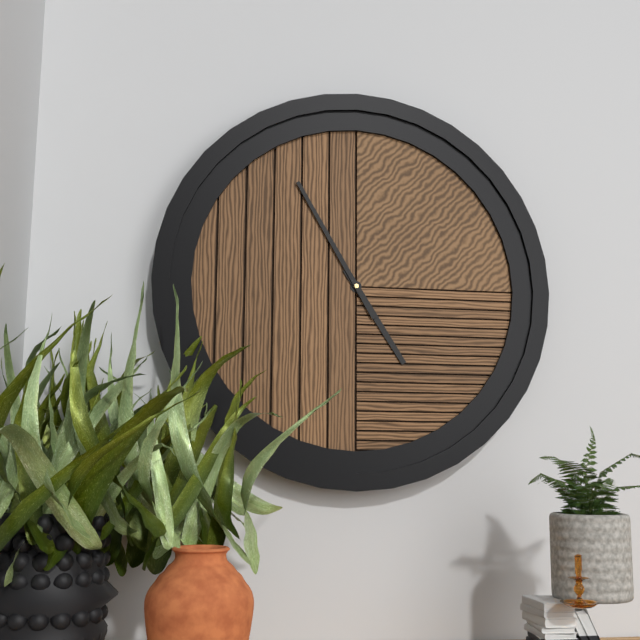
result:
4.55
